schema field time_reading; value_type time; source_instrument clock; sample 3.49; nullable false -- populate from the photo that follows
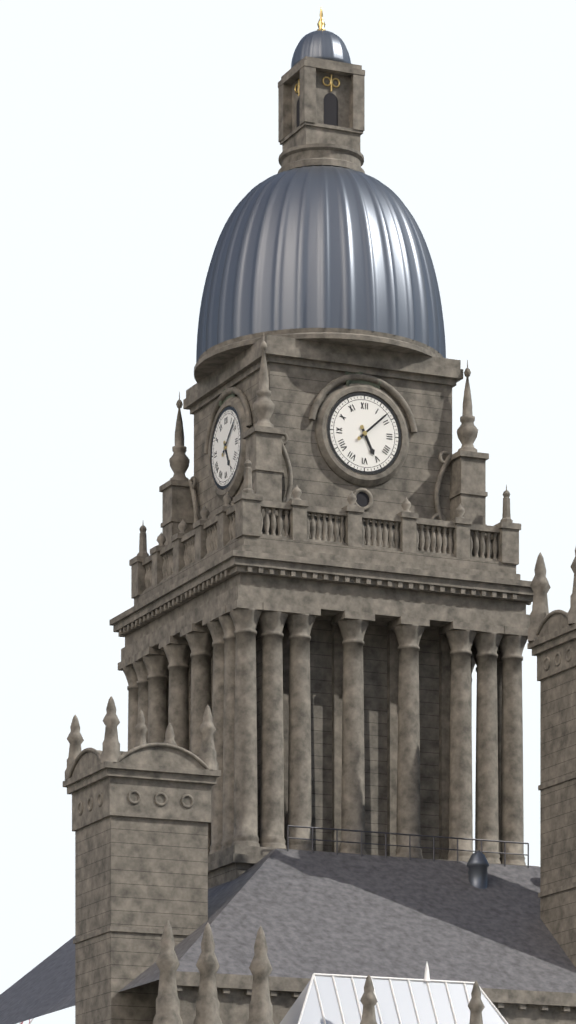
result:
5.08
